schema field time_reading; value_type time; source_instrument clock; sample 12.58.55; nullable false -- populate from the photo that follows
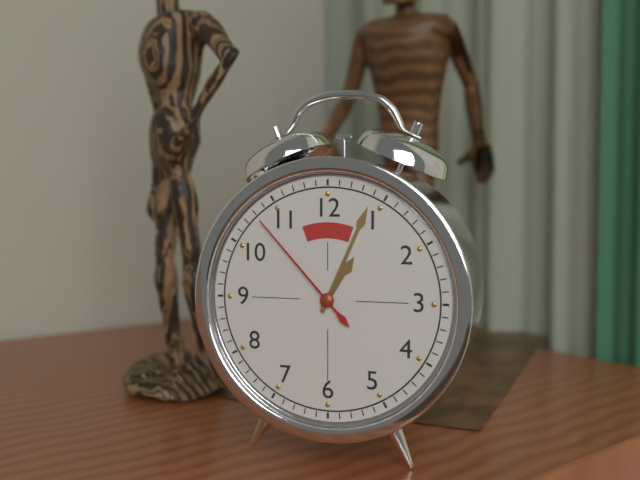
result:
1.04.53
